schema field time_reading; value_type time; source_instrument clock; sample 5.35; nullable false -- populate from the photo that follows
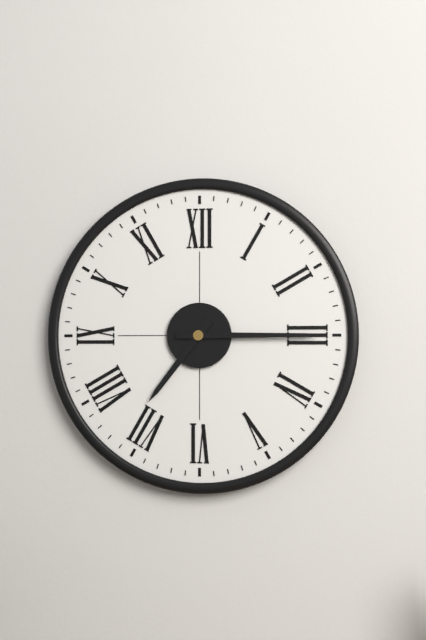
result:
7.15
